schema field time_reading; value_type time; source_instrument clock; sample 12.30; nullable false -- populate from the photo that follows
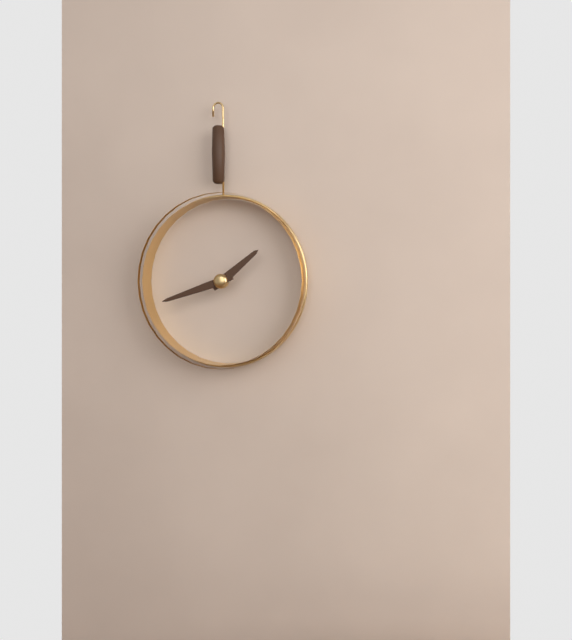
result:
1.42
